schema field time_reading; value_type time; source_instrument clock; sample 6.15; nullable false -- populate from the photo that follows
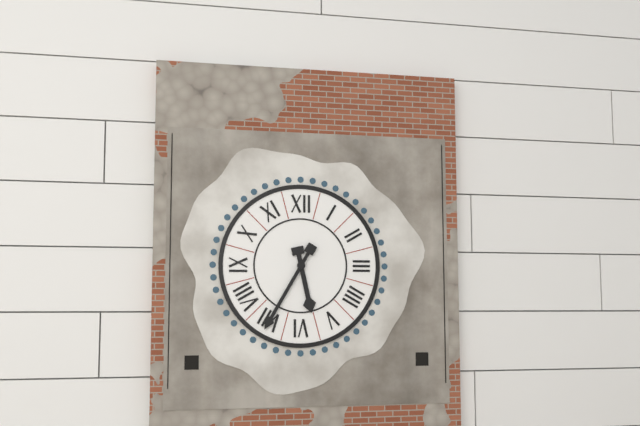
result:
5.35
